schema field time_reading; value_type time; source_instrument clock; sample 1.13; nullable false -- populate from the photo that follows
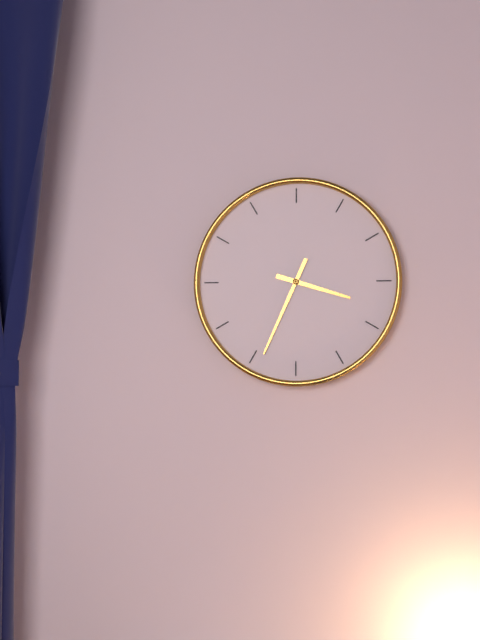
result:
3.34
